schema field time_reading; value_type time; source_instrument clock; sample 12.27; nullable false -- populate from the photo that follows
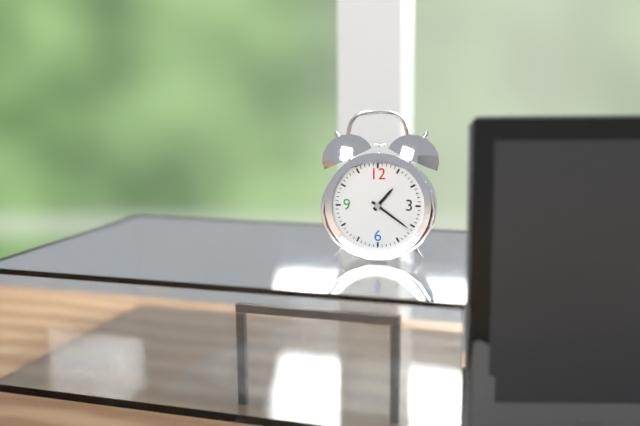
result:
1.21
